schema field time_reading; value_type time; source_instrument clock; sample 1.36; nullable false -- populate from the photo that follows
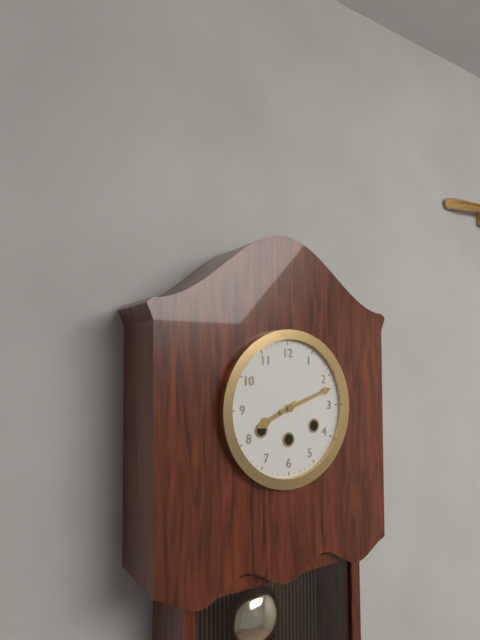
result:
8.12
